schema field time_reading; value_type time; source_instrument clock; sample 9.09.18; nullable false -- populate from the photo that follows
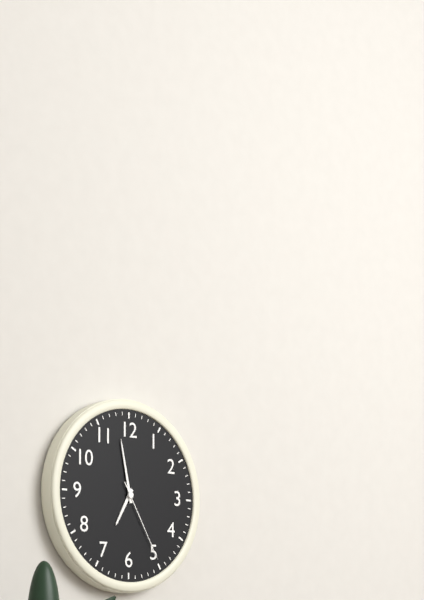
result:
6.58.25
